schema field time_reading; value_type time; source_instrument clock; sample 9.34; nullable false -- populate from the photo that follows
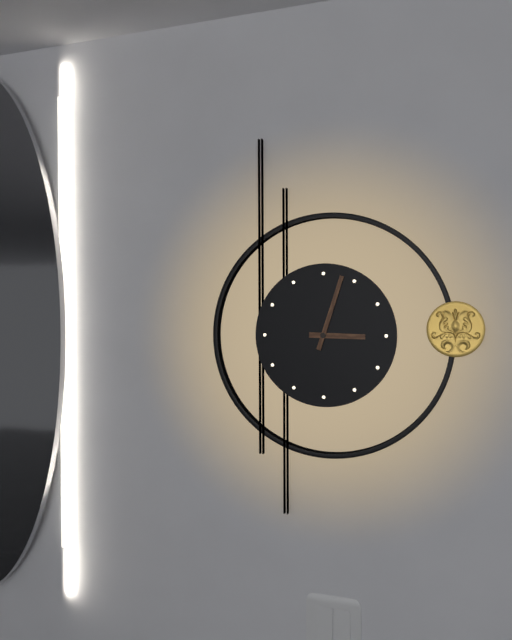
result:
3.03
